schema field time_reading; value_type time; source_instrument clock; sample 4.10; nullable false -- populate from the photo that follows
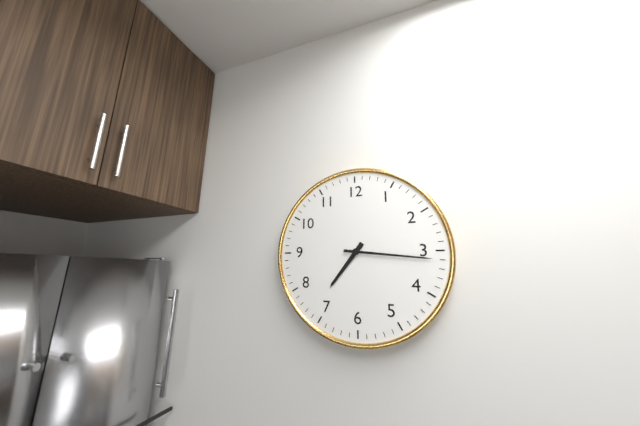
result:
7.16
